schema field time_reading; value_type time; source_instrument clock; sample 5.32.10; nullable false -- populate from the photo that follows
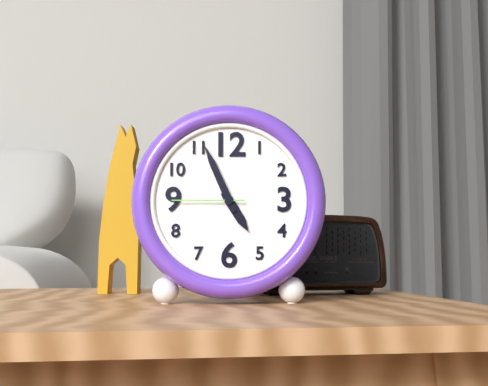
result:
4.56.45
